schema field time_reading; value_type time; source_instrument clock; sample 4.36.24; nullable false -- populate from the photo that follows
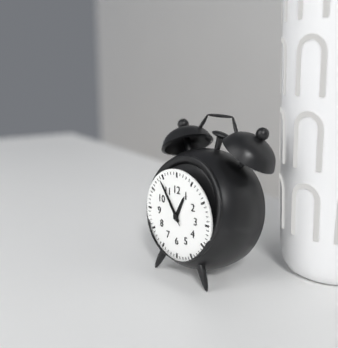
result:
12.54.54
